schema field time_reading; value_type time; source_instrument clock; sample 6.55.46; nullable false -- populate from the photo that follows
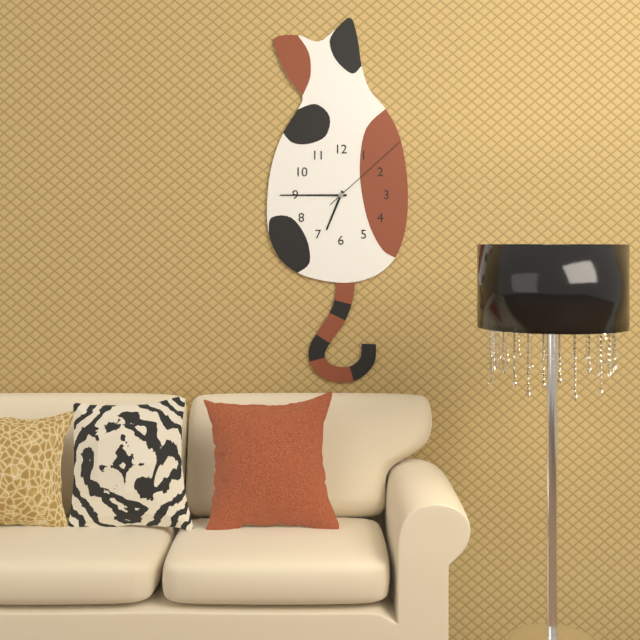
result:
6.45.08
